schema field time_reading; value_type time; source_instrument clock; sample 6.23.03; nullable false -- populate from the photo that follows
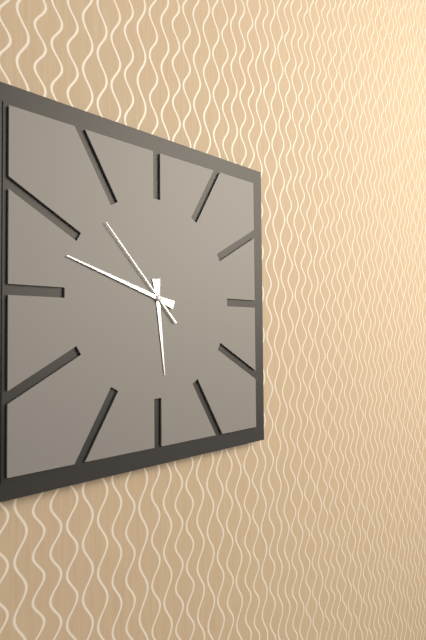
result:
5.48.53
